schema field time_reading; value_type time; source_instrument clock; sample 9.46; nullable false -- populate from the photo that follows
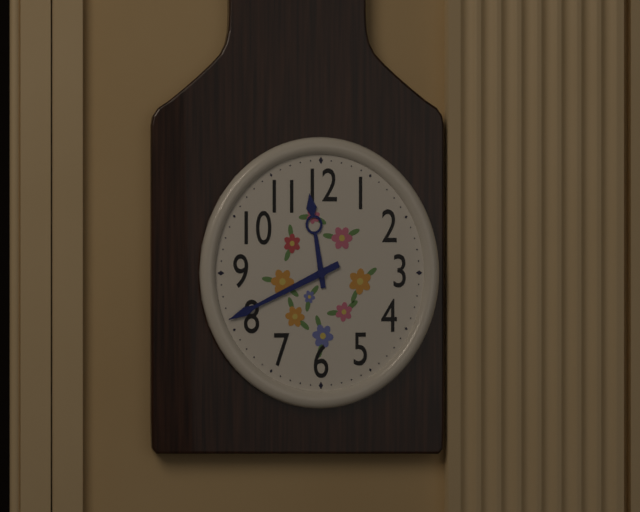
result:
11.41
